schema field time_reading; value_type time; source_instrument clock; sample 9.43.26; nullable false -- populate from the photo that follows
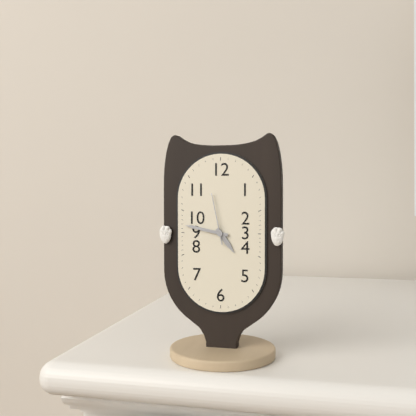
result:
4.47.58
